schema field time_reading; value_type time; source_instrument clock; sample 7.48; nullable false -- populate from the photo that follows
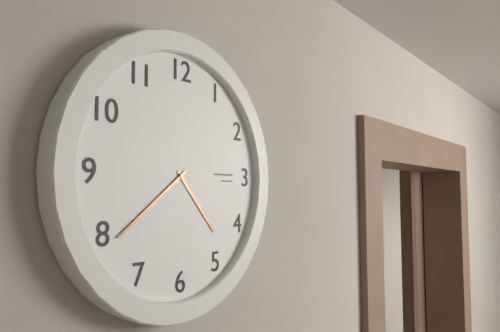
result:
4.39
